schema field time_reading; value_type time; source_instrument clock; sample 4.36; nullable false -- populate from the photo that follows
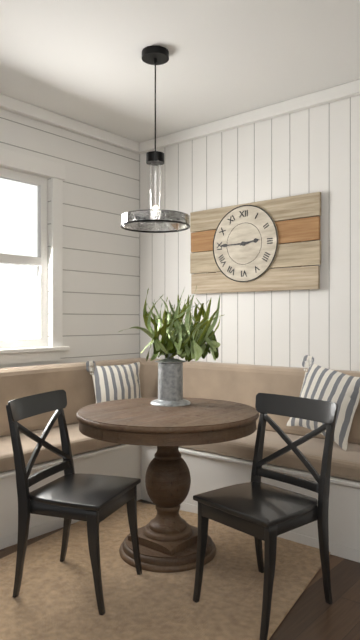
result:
2.45
